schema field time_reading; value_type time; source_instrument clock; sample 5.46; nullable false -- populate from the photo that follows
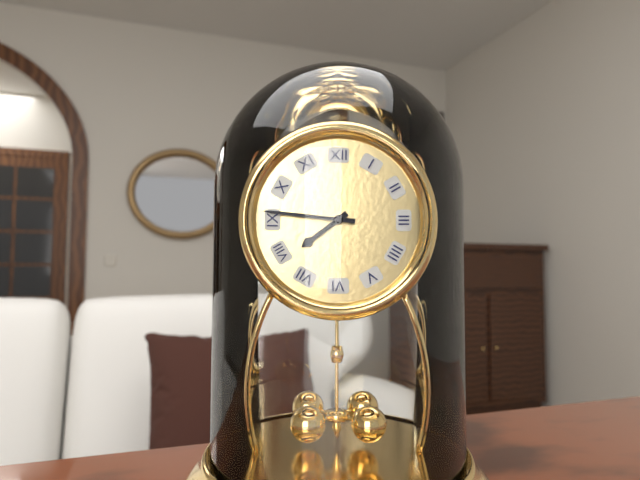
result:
7.46
